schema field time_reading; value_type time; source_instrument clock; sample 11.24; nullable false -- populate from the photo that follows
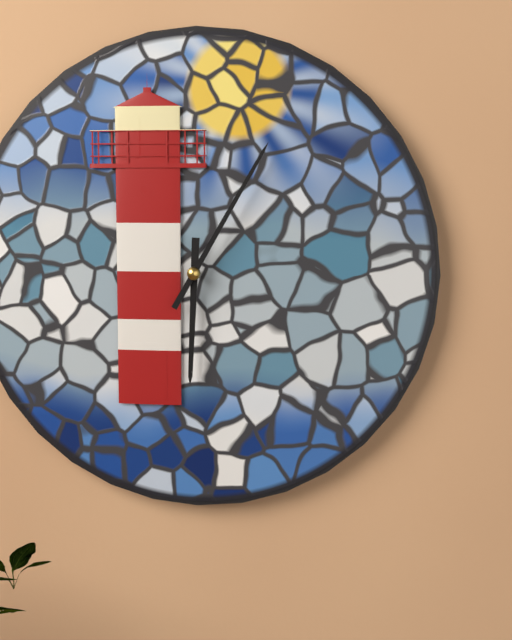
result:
6.05
